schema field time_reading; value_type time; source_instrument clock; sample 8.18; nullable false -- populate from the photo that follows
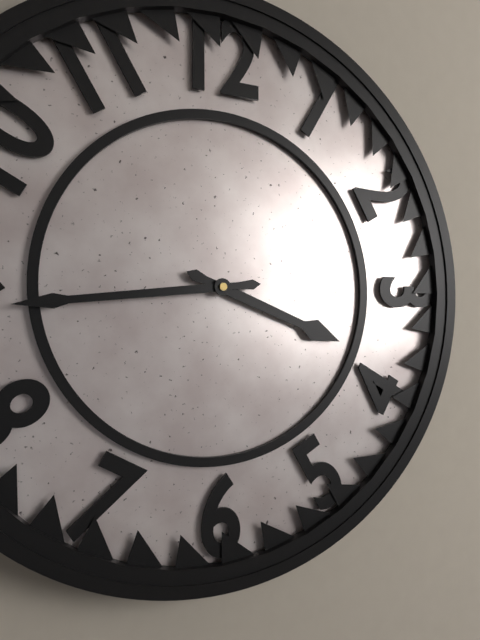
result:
3.44
